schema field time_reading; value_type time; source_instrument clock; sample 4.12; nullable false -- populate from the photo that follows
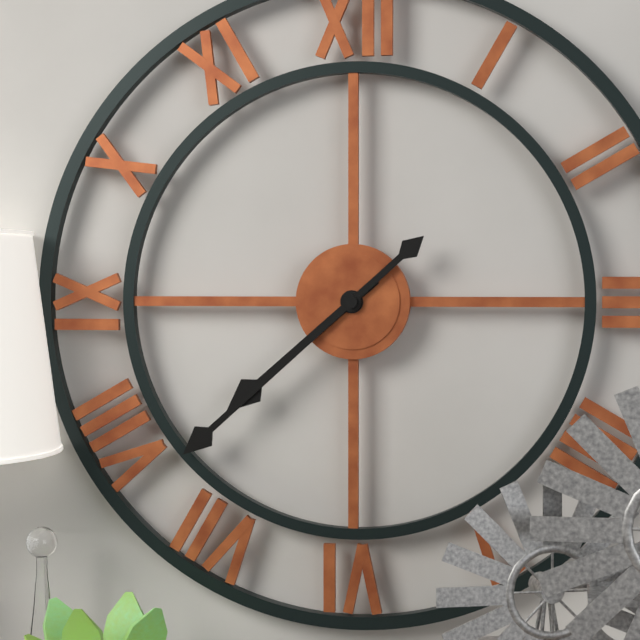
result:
7.38
